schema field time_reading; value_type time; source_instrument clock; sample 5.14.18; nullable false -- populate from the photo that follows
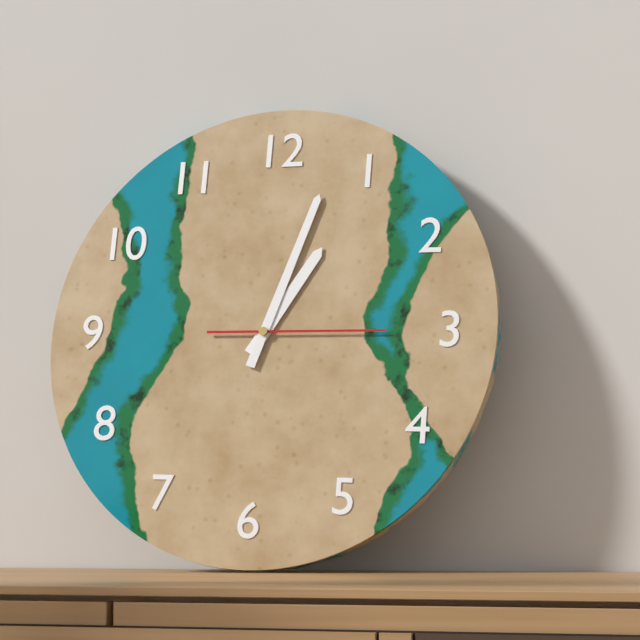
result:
1.03.15
